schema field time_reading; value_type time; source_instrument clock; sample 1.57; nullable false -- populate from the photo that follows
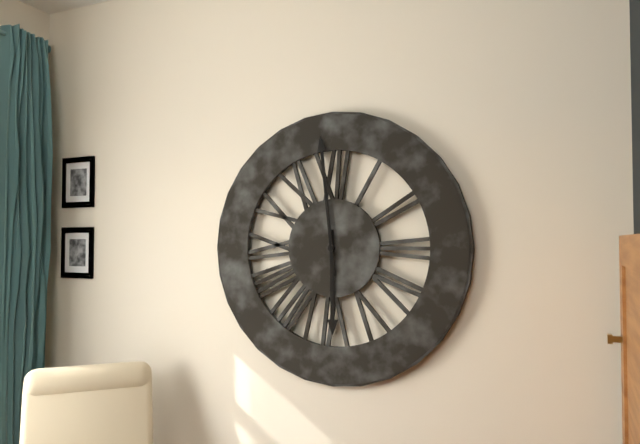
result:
5.59
